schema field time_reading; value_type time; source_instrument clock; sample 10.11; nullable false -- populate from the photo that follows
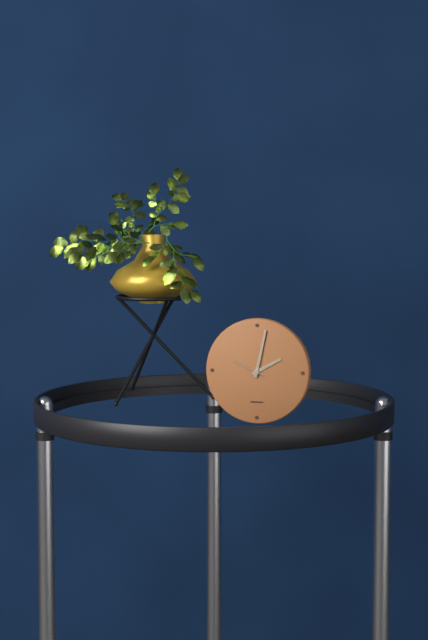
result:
2.02
